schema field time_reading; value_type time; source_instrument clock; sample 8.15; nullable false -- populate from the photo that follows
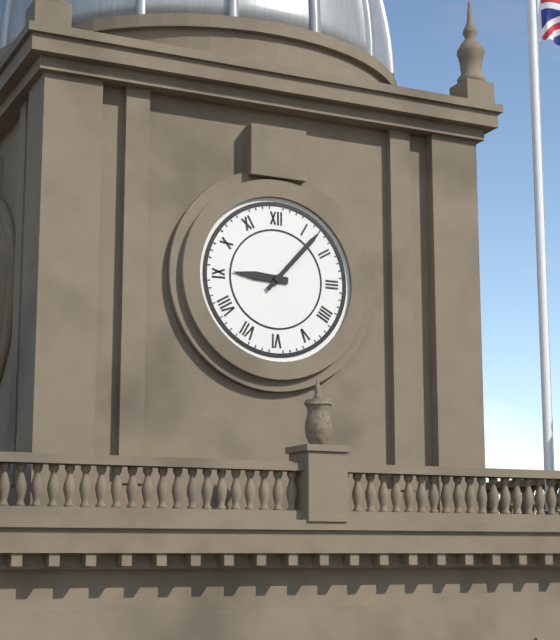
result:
9.07
